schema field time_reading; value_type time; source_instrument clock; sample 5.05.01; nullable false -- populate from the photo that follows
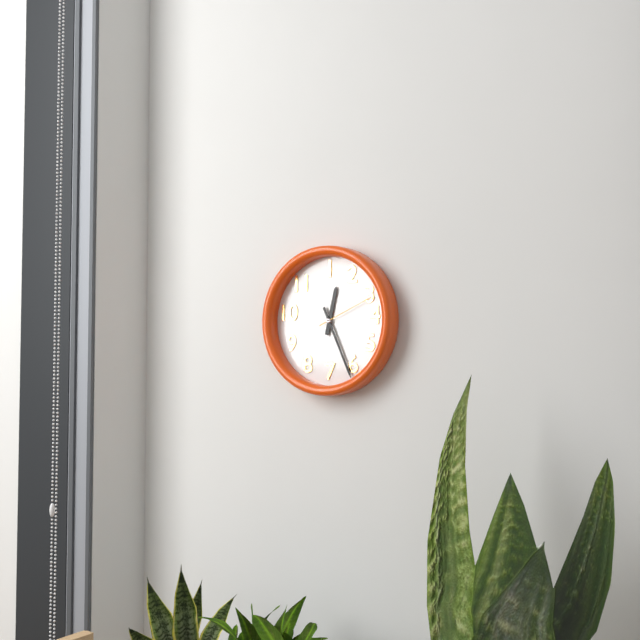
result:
12.26.11
